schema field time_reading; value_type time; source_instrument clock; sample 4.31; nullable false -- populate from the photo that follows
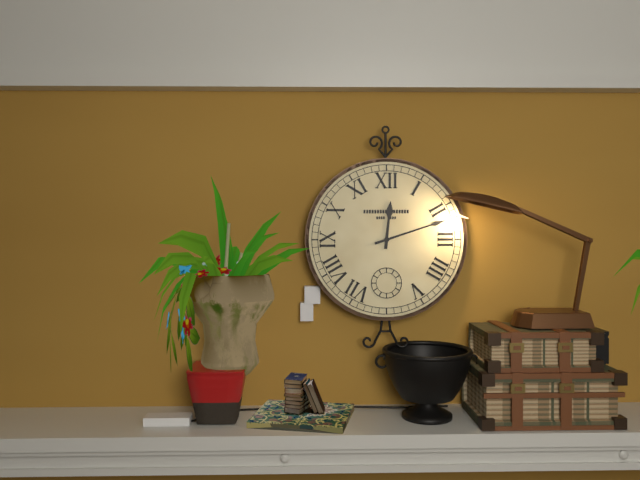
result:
12.12
